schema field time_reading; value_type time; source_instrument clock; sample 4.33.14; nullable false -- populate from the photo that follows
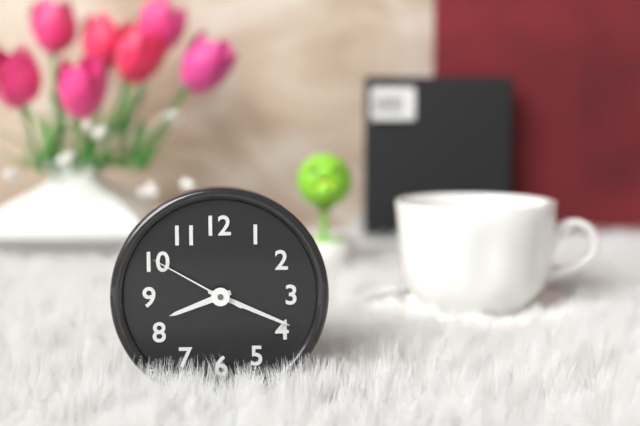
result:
8.19.50
